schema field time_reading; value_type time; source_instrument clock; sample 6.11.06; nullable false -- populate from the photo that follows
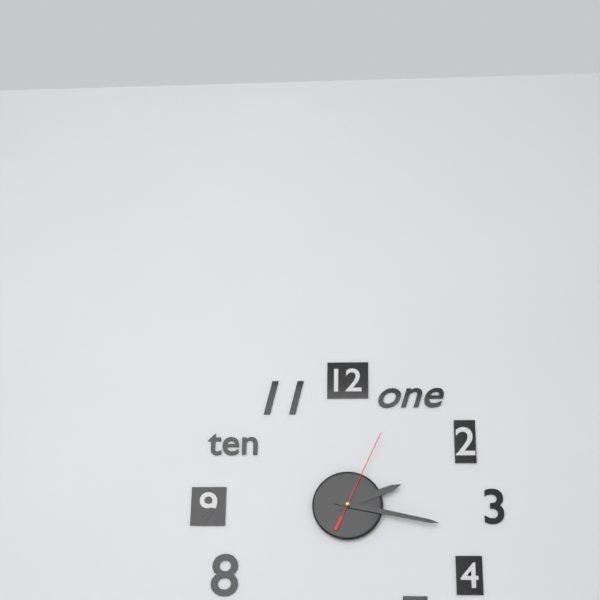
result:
2.17.04
